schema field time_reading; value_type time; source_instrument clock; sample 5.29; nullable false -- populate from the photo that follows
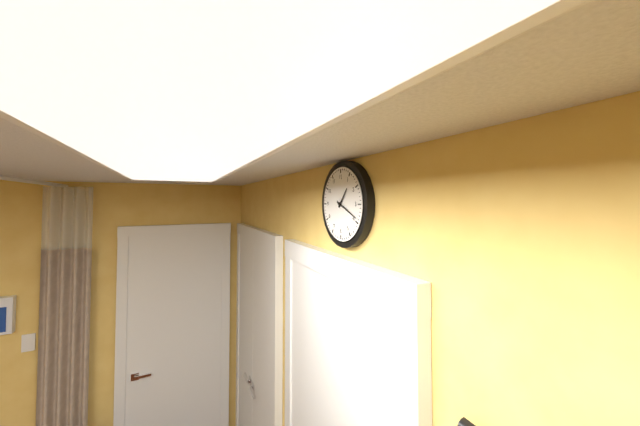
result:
1.19
